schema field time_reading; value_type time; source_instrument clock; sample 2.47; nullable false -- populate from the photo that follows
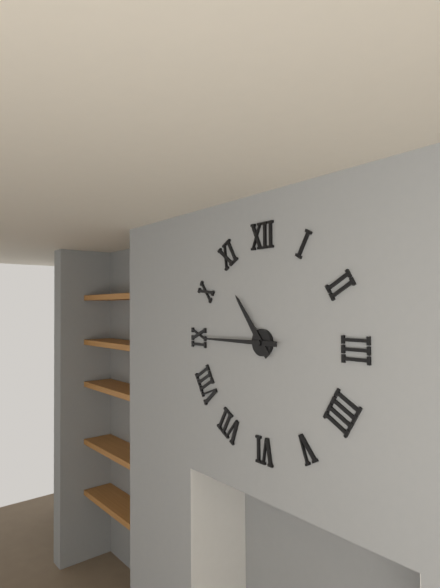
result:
10.45
